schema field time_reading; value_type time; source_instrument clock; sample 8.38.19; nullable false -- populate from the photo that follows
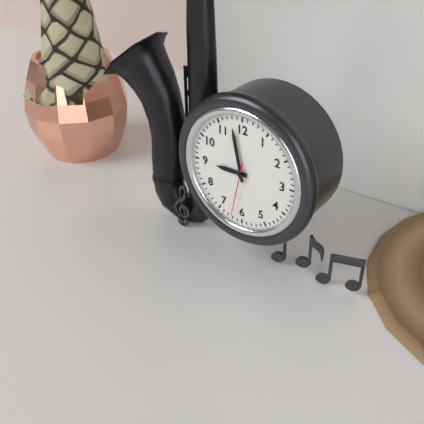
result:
8.58.32
